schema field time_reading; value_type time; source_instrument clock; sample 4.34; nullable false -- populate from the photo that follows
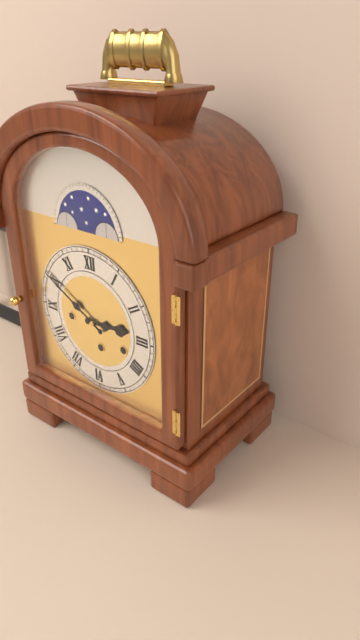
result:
2.50
